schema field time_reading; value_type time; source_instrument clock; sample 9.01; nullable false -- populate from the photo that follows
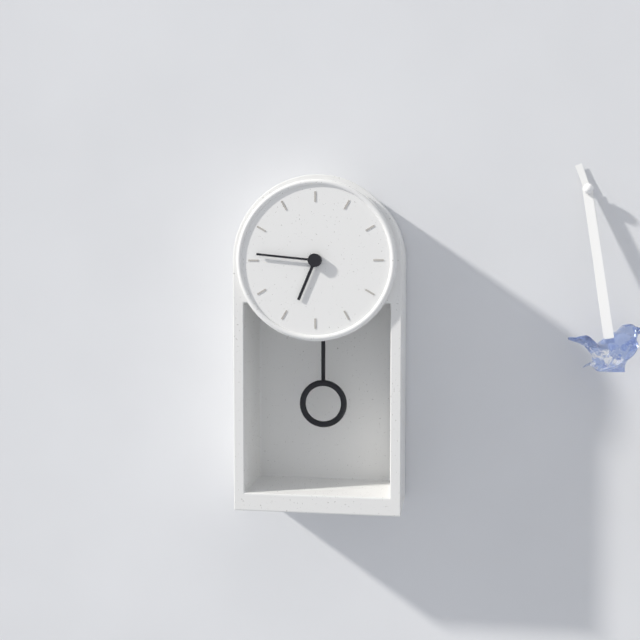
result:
6.46
